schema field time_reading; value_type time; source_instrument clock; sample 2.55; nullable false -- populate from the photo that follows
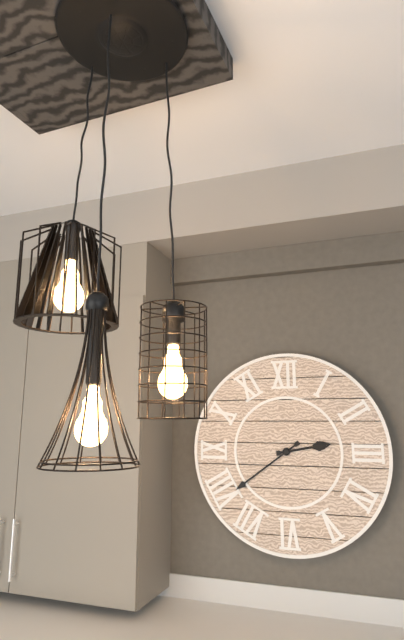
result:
2.39
